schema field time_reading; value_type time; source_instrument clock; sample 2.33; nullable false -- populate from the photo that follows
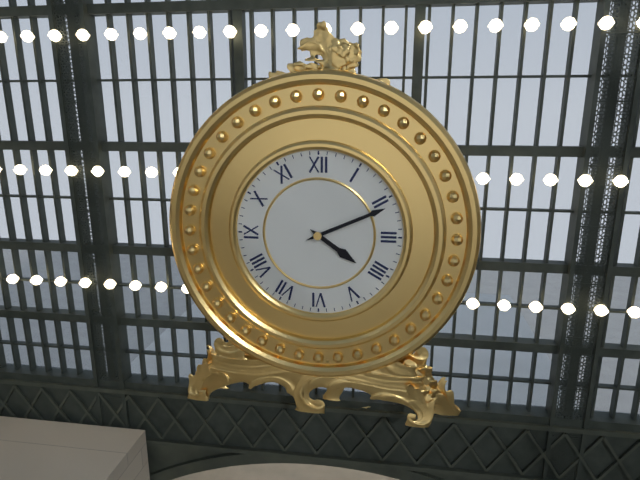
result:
4.11
